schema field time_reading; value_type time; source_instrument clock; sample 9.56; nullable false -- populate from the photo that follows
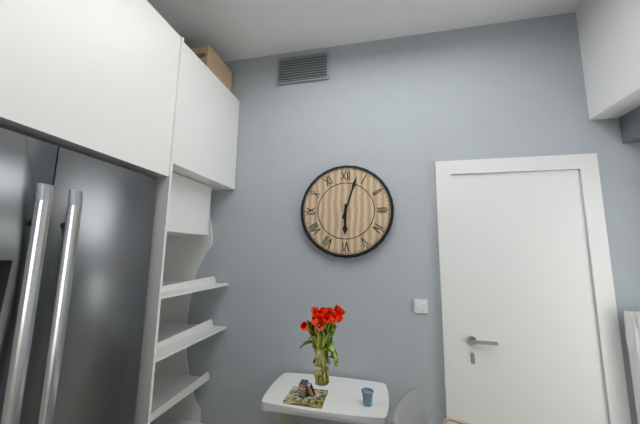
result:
6.03
